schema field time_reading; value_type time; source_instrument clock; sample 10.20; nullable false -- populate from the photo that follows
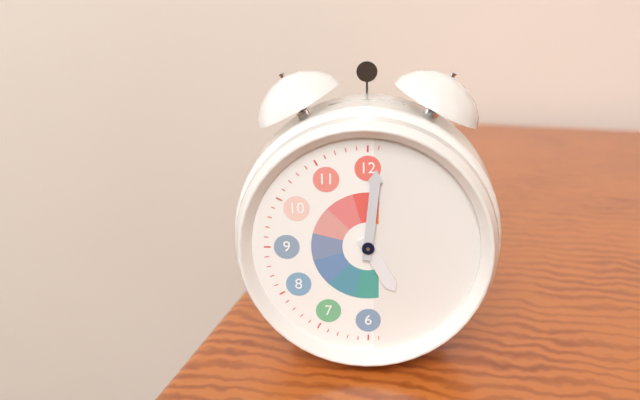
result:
5.01
